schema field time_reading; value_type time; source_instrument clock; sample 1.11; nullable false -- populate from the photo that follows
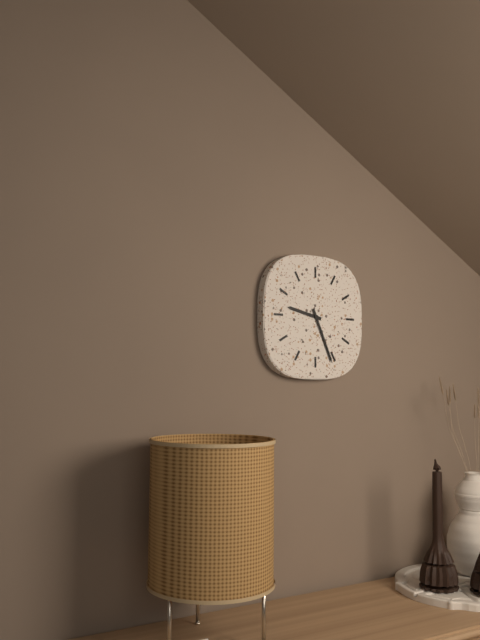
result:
9.26
